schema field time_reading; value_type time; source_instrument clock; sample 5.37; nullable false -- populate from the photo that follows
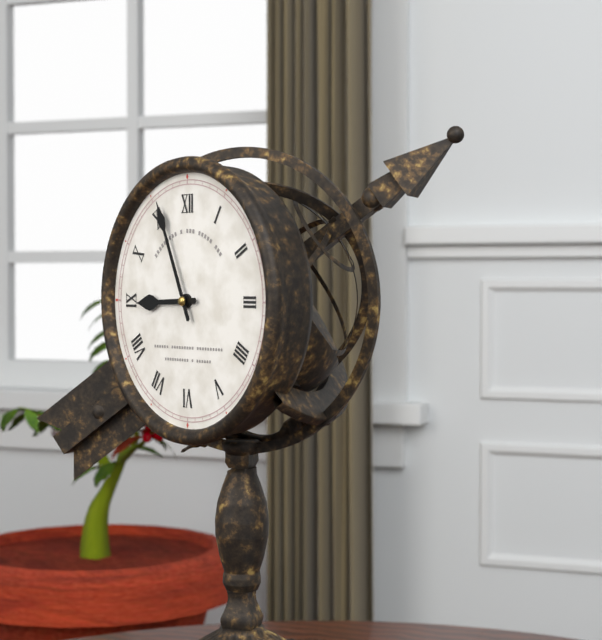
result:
8.56
